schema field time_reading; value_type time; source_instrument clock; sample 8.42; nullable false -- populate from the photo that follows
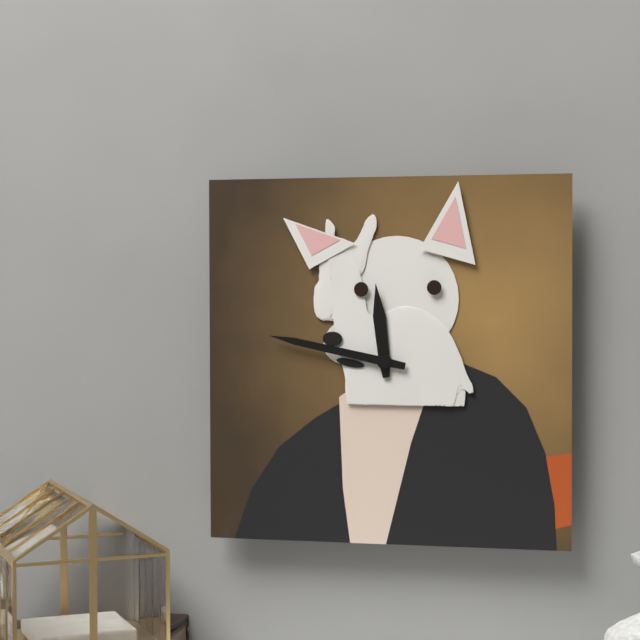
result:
11.47
